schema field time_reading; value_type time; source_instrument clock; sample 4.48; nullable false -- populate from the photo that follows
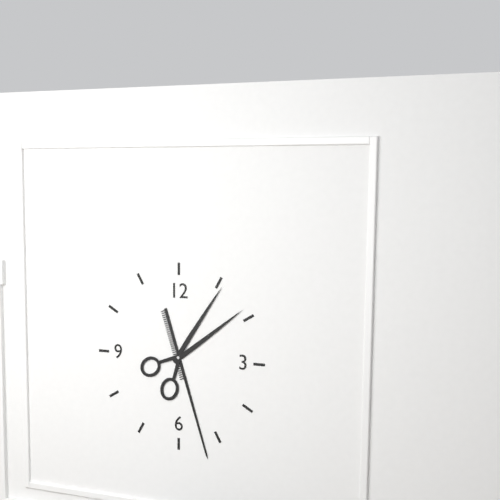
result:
1.27
